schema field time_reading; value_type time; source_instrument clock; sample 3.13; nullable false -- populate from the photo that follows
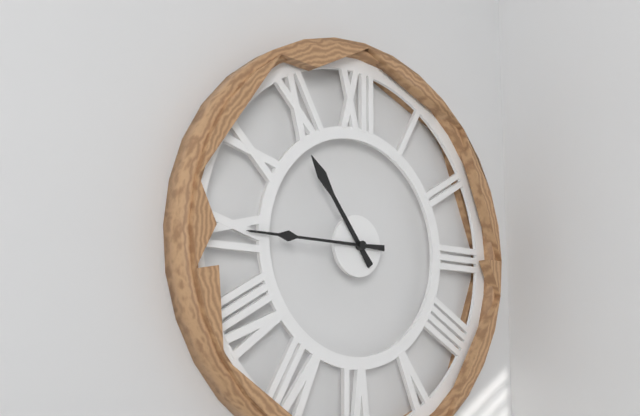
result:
10.45
